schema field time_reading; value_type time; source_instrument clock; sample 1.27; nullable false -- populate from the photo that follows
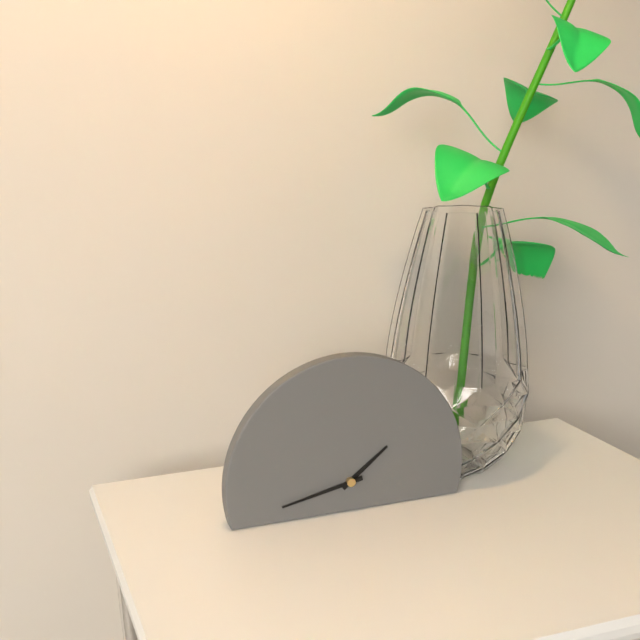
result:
1.43
